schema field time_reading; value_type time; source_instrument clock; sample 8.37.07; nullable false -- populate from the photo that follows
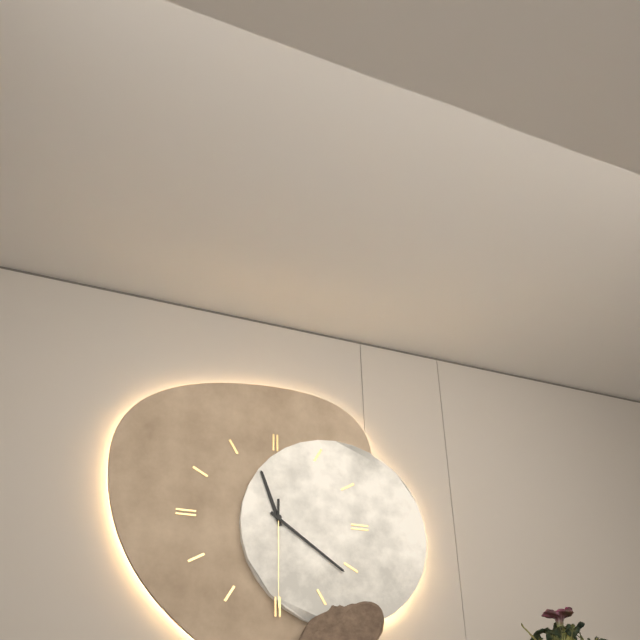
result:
11.21.30
